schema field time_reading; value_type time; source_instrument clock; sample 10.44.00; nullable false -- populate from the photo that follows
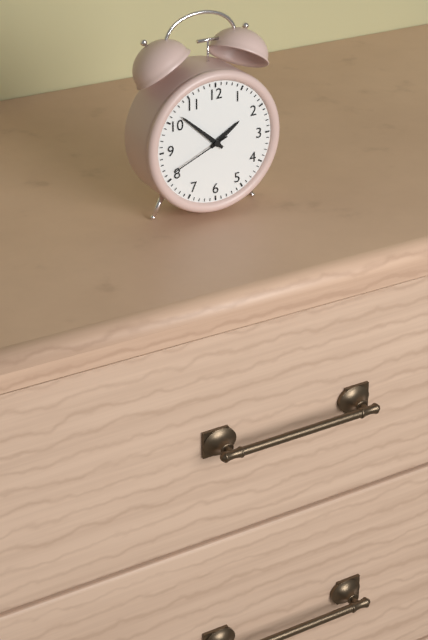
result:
1.52.41
